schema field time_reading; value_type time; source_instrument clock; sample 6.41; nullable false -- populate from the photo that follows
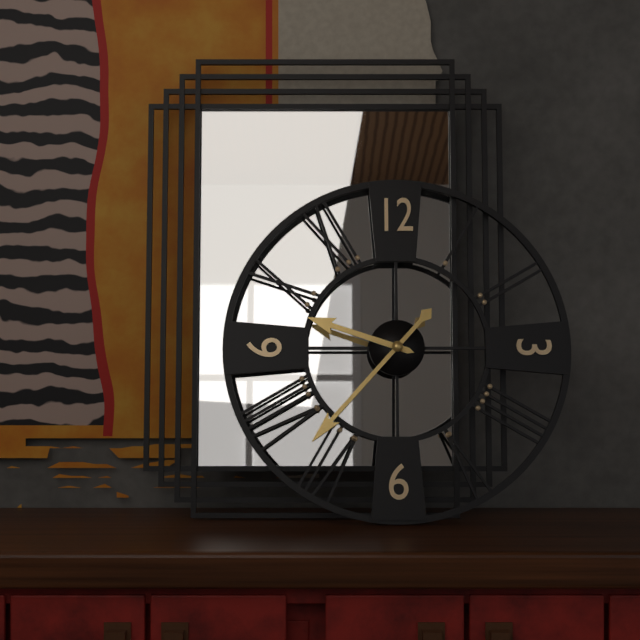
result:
9.37
